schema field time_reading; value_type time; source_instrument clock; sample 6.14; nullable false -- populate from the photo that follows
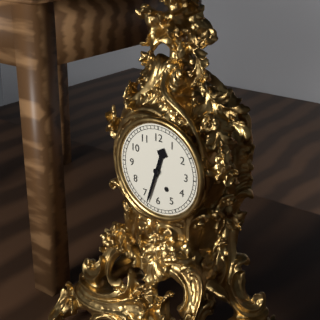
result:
12.33
